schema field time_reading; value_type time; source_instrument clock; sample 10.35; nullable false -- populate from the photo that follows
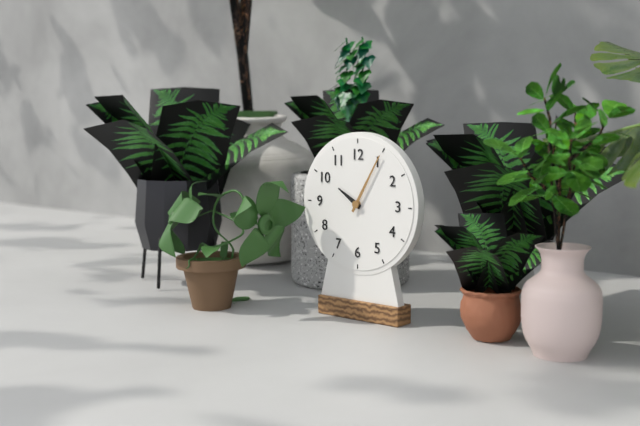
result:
10.05
